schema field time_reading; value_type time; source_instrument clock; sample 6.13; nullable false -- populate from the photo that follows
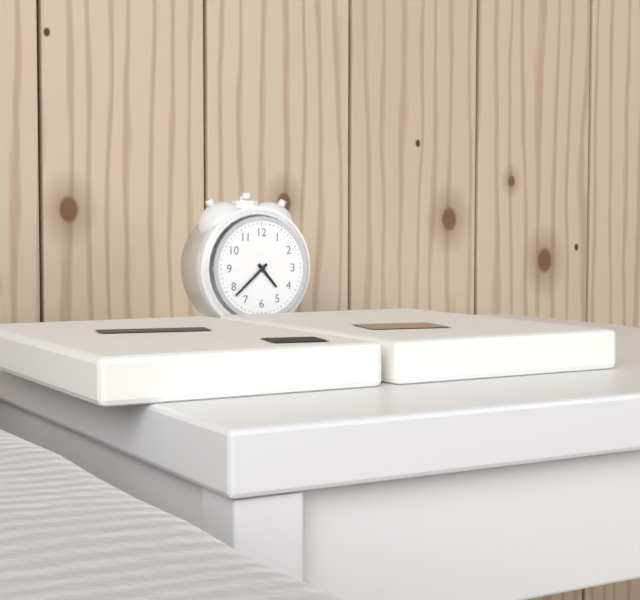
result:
4.38
